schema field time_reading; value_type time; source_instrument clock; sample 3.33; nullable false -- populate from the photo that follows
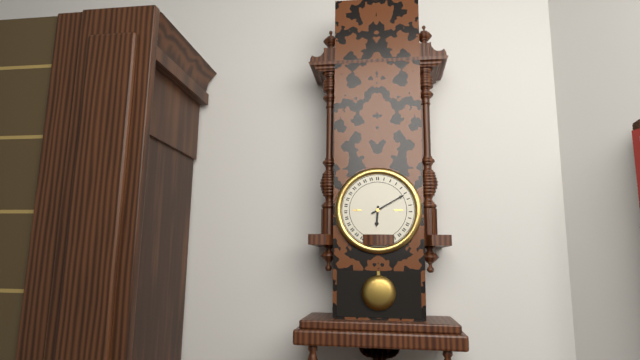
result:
6.10
